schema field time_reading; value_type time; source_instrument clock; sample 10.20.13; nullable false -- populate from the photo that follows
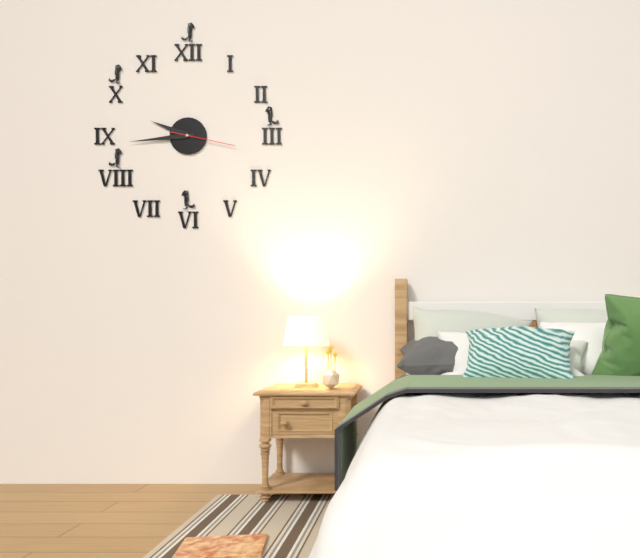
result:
9.44.17
